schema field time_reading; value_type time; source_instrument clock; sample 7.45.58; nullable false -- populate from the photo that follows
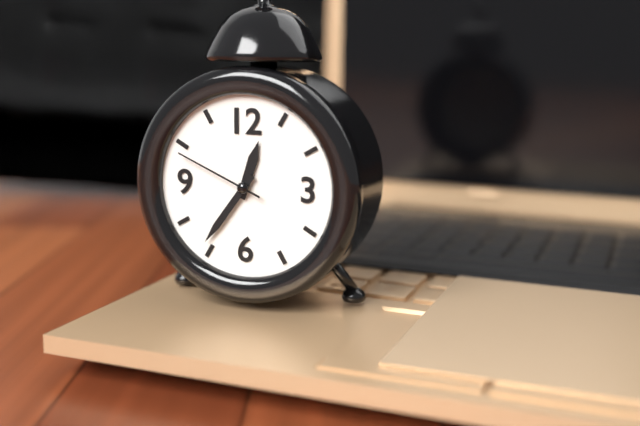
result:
12.36.49
